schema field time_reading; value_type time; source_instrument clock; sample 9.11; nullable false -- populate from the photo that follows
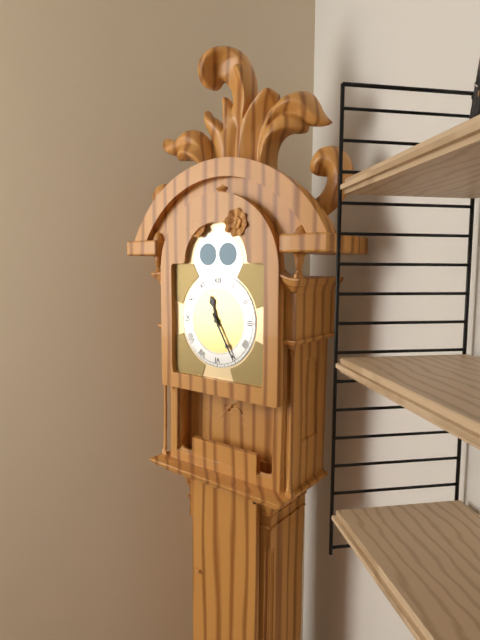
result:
11.25
